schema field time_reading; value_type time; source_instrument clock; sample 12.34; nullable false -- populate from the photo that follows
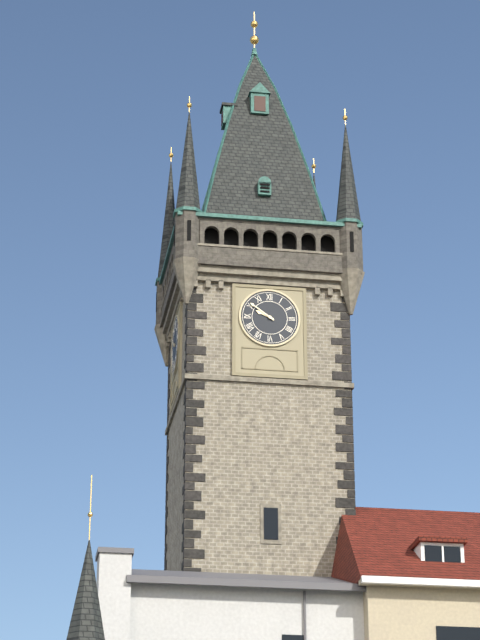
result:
9.51
